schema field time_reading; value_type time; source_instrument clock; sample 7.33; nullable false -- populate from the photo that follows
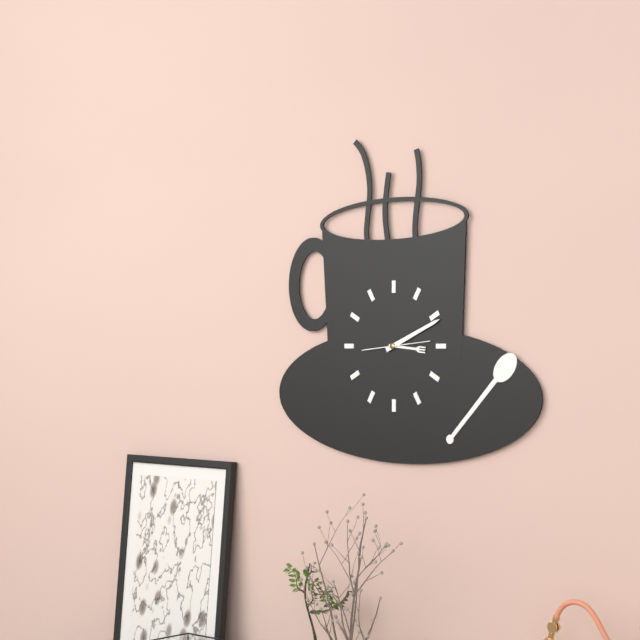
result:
3.11
